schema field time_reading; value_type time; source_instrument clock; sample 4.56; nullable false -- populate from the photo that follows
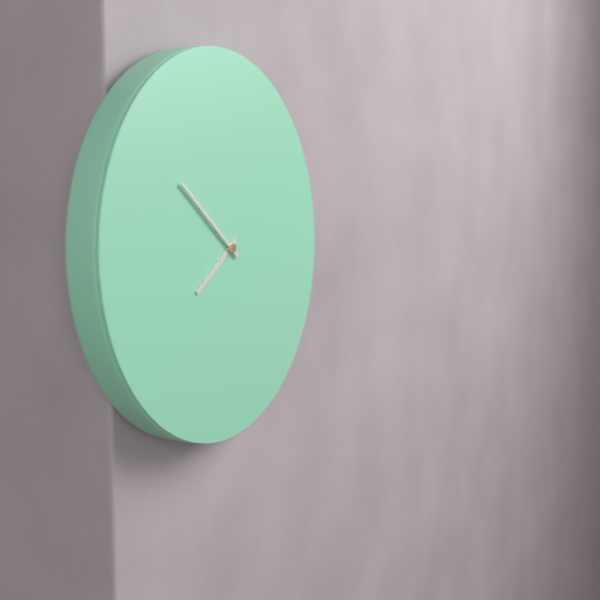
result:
7.51
